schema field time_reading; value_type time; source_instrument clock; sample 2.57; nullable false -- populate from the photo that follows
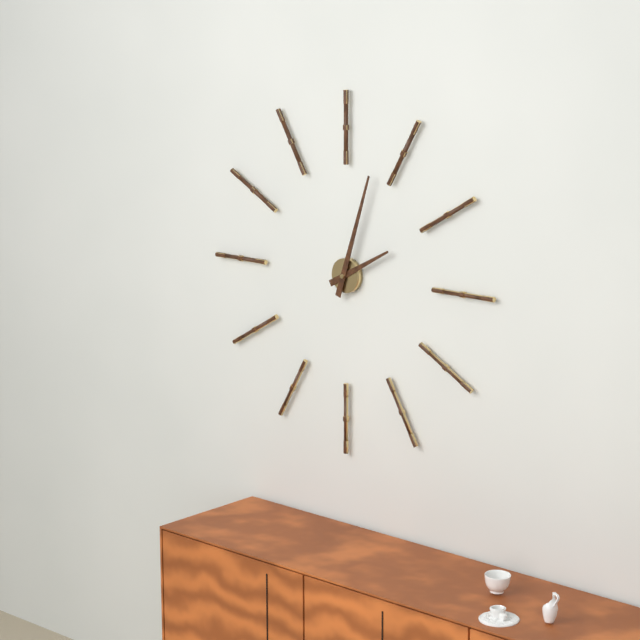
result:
2.03
